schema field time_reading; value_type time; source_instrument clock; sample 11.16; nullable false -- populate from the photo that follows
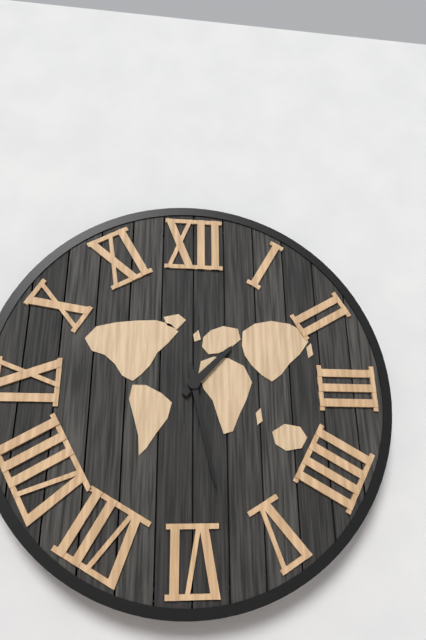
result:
1.28
